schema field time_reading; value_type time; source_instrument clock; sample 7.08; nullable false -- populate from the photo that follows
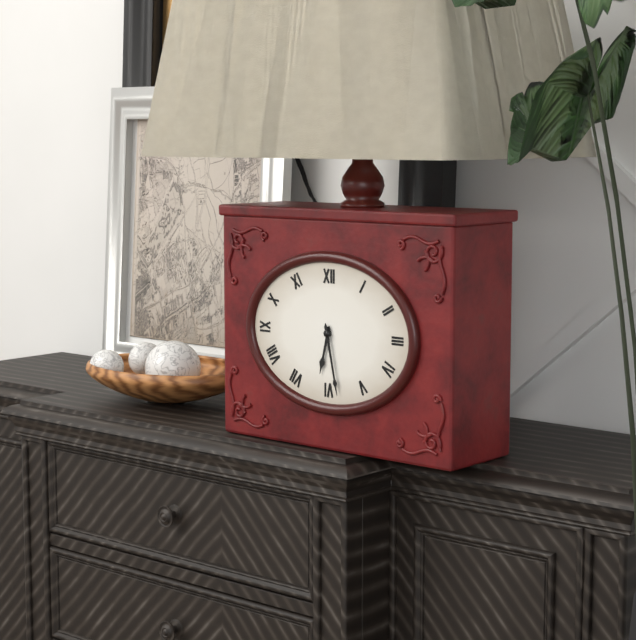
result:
6.28
